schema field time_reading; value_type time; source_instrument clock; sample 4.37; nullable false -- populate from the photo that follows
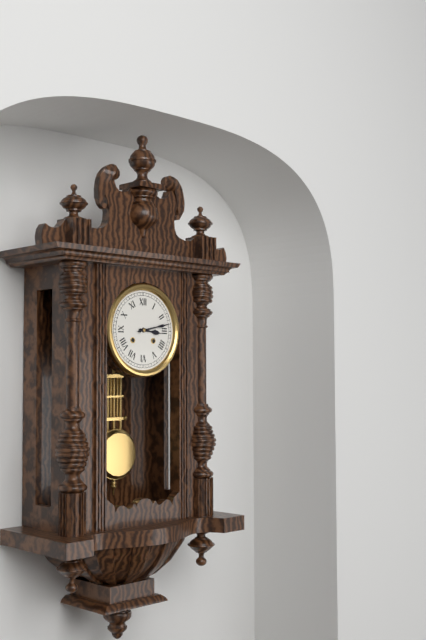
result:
3.13
